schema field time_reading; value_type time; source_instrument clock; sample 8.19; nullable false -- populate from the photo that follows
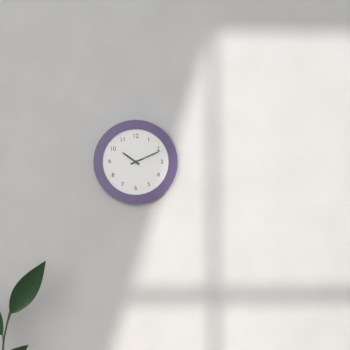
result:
10.11
